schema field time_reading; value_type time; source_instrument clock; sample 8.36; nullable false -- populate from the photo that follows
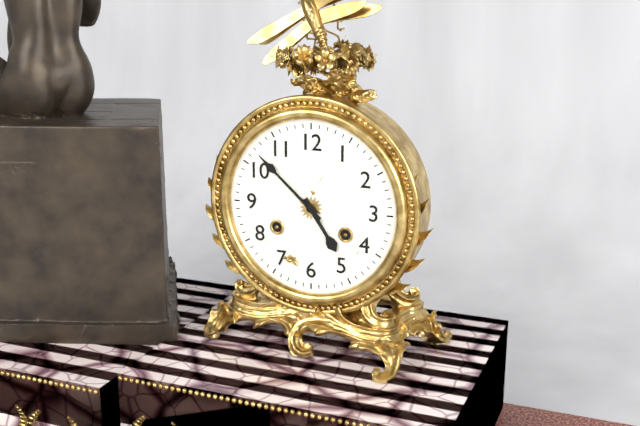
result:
4.52
